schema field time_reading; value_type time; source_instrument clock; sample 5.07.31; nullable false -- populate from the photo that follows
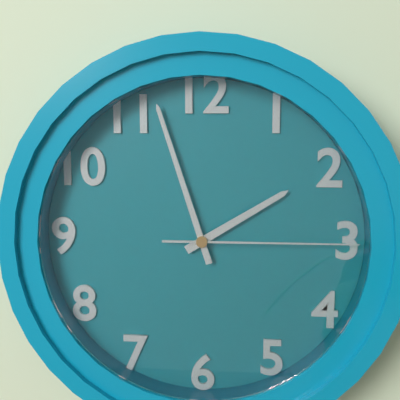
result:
1.57.15
